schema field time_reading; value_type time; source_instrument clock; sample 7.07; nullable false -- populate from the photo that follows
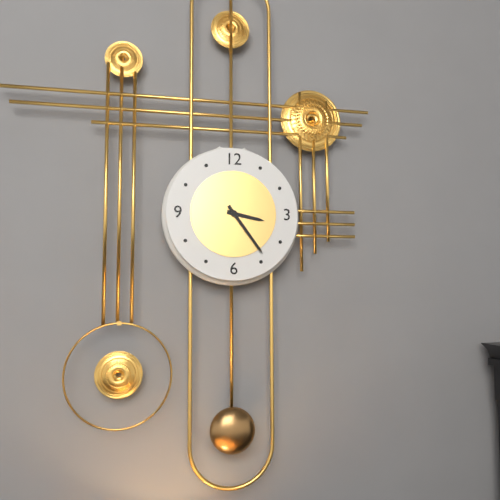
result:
3.24
